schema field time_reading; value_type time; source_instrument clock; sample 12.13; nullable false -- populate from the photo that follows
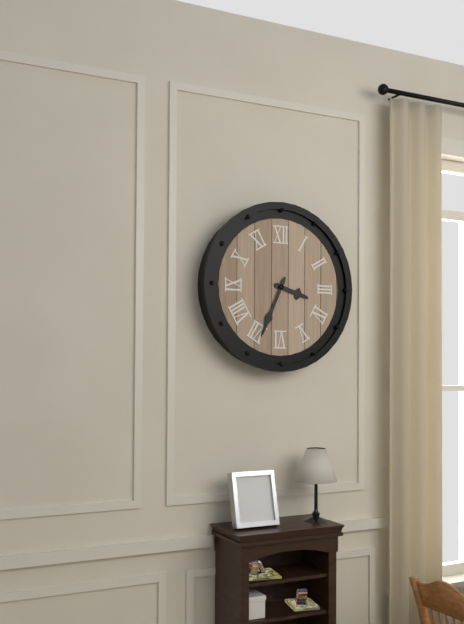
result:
3.34
